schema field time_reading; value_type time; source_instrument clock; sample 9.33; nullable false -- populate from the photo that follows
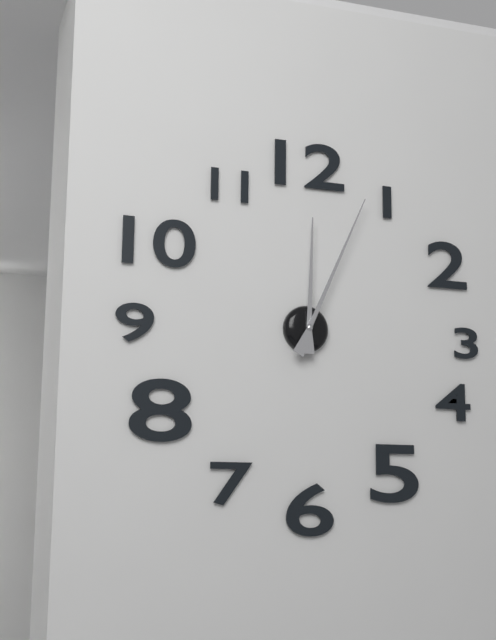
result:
12.04
